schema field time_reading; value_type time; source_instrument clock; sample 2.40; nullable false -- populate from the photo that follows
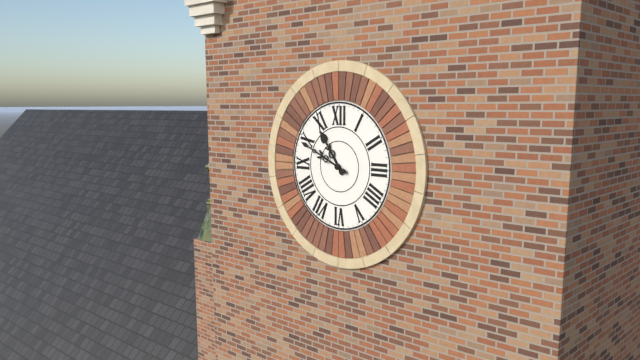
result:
10.49
